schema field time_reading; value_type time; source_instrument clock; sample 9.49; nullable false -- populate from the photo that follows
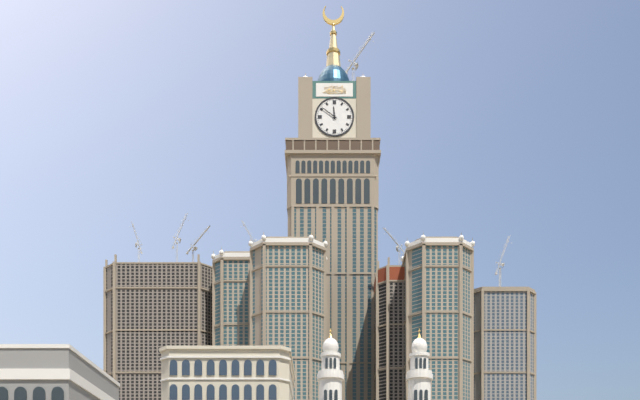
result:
11.51
